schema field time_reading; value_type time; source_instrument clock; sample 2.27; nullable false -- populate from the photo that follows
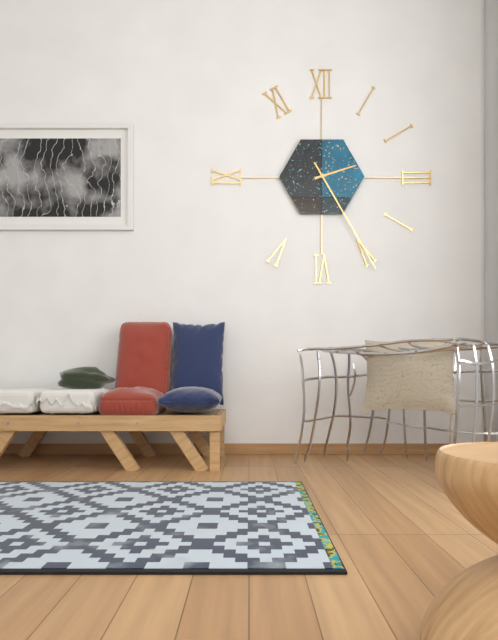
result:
2.25
